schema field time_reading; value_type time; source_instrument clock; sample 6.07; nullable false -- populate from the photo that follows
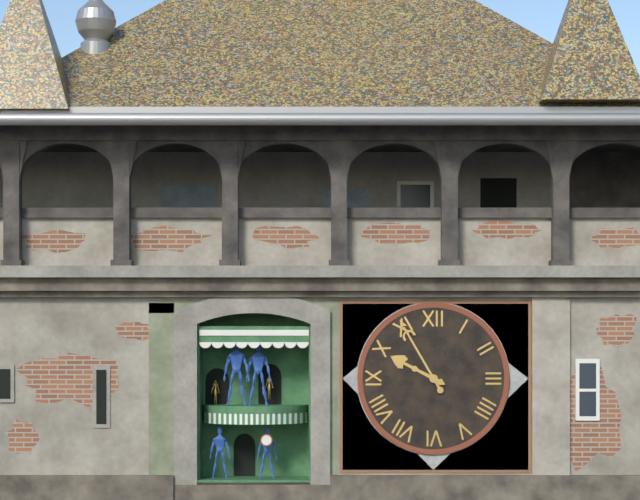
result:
9.55
